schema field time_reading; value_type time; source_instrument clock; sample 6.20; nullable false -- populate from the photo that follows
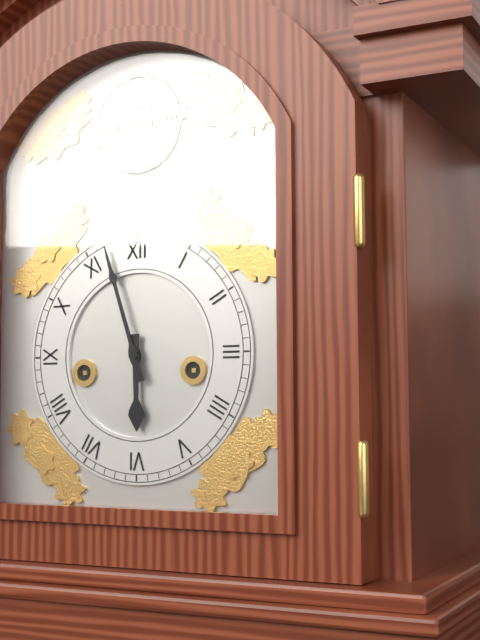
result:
5.57
